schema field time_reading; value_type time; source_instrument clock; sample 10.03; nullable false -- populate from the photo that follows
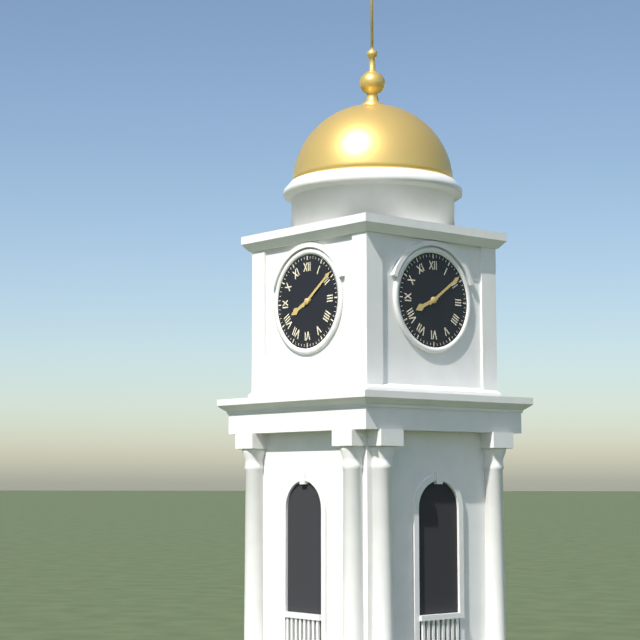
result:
8.09
